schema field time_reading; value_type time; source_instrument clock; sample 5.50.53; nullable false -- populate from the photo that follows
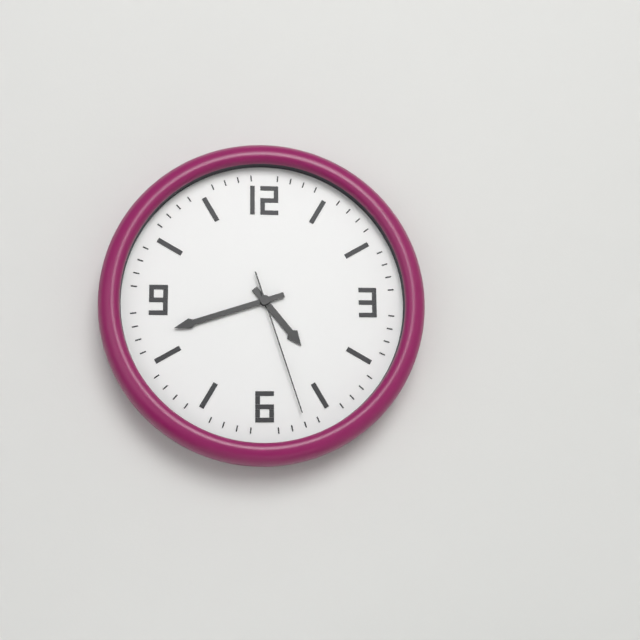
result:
4.42.27
